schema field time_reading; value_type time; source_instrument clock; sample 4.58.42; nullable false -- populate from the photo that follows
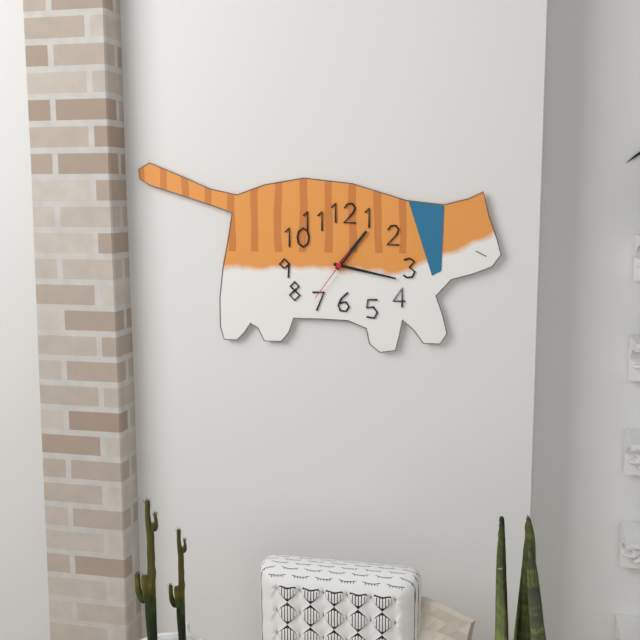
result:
1.17.36
